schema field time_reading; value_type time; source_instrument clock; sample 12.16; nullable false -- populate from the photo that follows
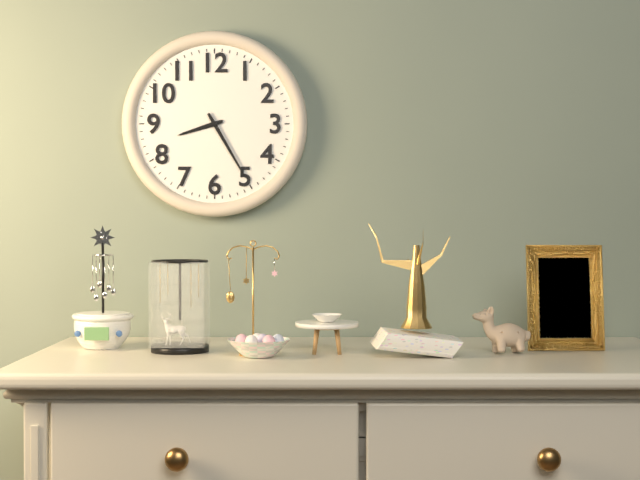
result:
8.25
